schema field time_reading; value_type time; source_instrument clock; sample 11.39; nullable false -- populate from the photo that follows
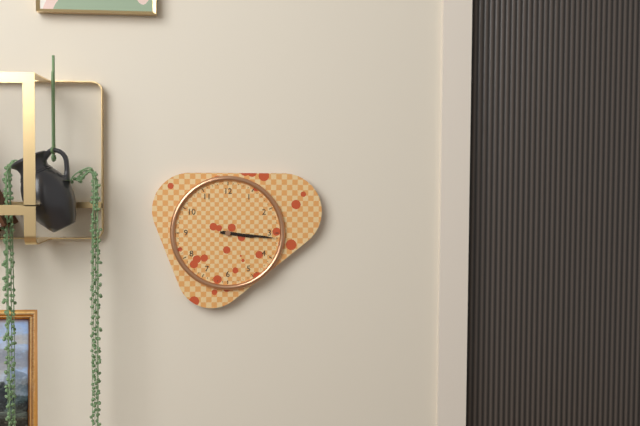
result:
3.16
